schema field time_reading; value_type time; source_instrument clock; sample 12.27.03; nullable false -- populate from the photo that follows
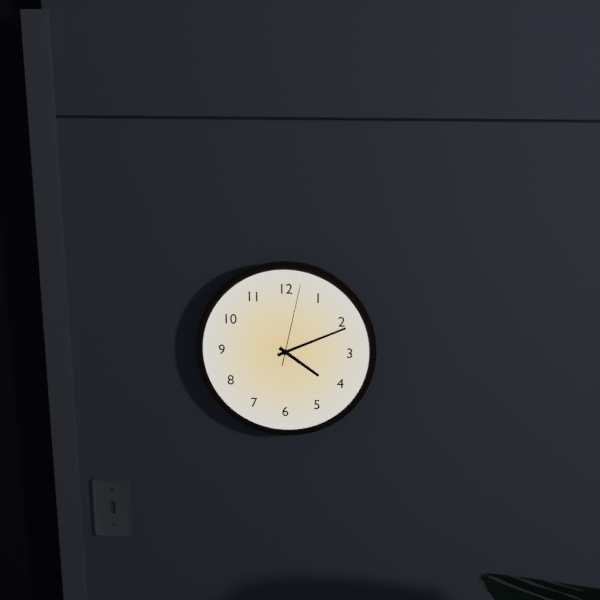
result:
4.11.02
